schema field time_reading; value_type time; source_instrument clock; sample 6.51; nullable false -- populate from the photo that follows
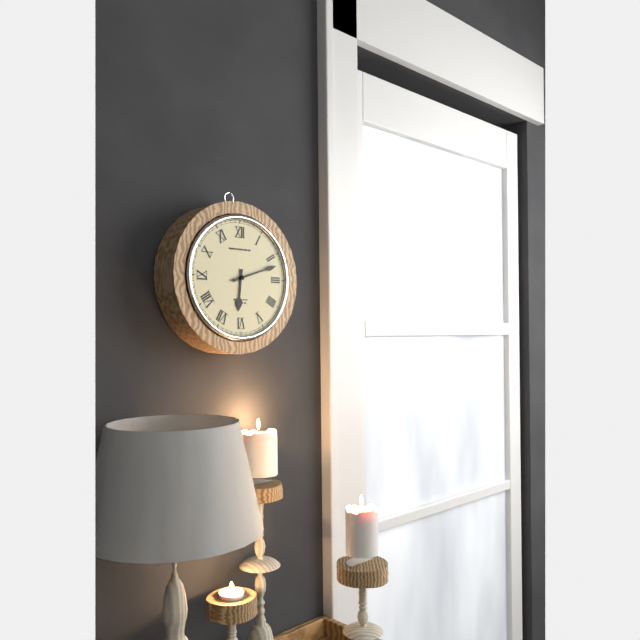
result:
6.12
